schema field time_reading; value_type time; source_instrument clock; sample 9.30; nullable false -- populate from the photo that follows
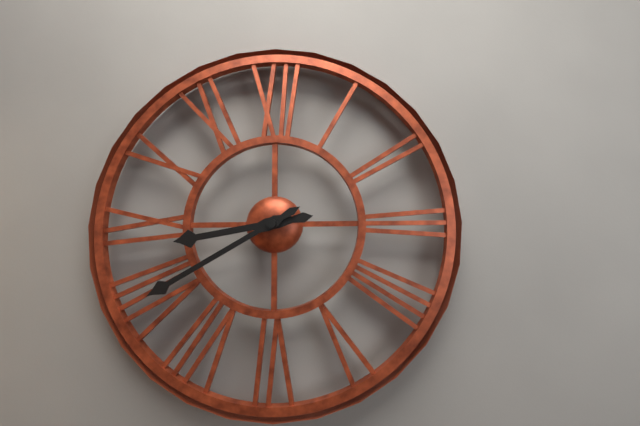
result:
8.40
